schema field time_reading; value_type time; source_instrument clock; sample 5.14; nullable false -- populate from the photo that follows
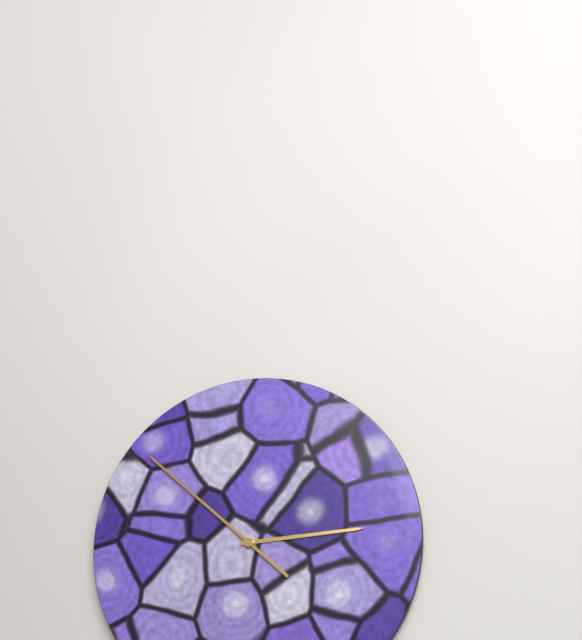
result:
2.52
